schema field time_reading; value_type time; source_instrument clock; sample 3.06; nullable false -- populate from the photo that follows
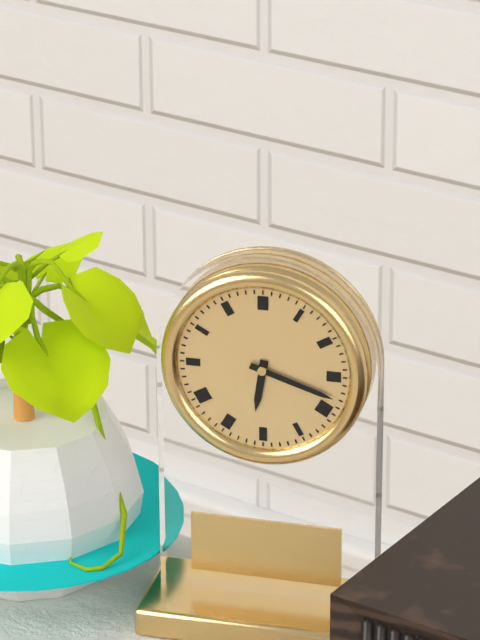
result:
6.18
